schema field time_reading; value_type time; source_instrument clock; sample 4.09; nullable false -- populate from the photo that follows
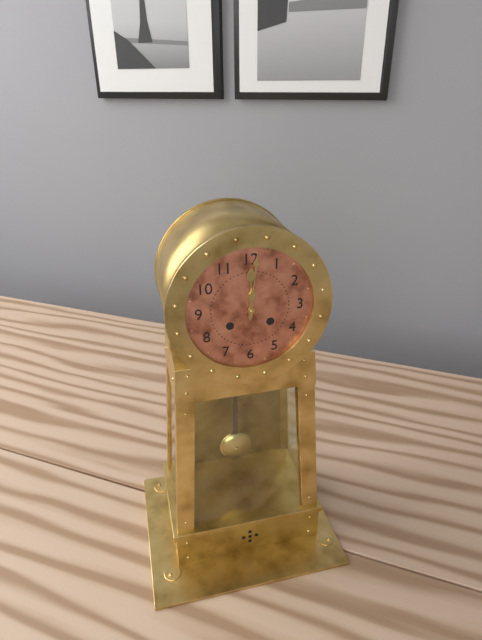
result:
12.01
